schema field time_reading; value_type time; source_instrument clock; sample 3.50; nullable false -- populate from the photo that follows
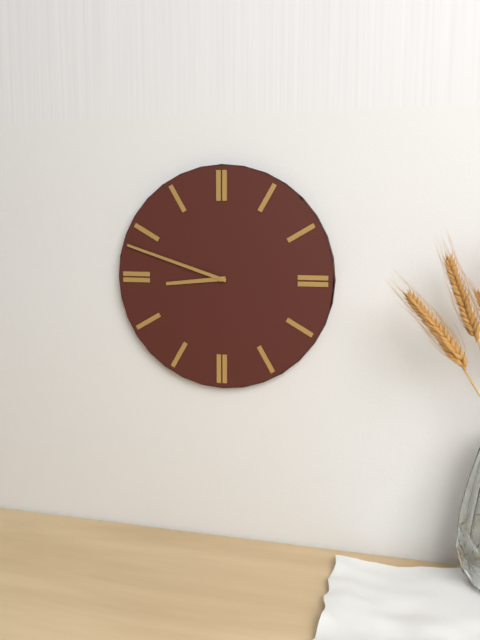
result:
8.48
